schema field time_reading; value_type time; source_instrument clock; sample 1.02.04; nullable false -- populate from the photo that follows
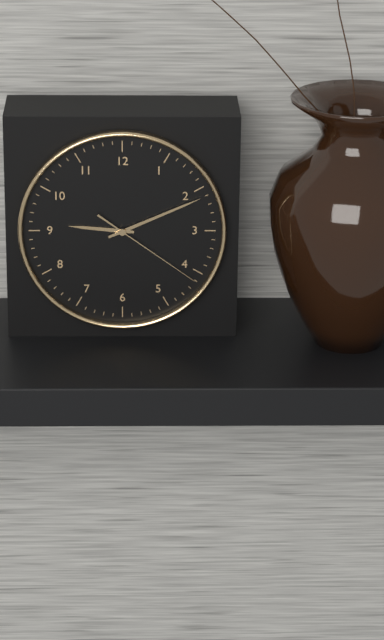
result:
9.11.21
